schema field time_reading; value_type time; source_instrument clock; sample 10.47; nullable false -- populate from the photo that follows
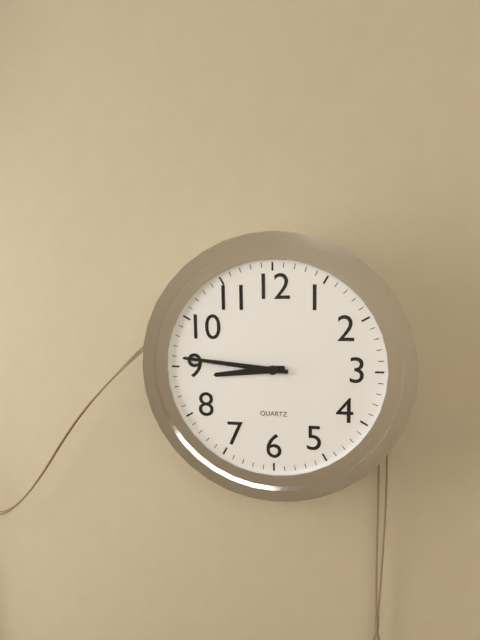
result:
8.46
